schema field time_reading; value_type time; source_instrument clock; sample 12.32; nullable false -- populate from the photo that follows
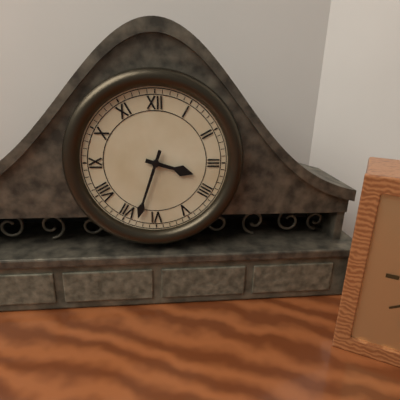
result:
3.33
